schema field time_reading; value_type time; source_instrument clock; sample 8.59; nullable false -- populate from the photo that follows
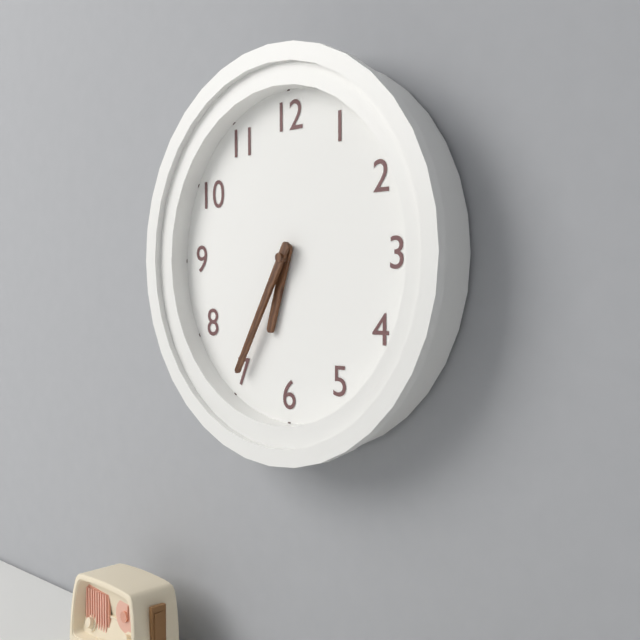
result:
6.35
